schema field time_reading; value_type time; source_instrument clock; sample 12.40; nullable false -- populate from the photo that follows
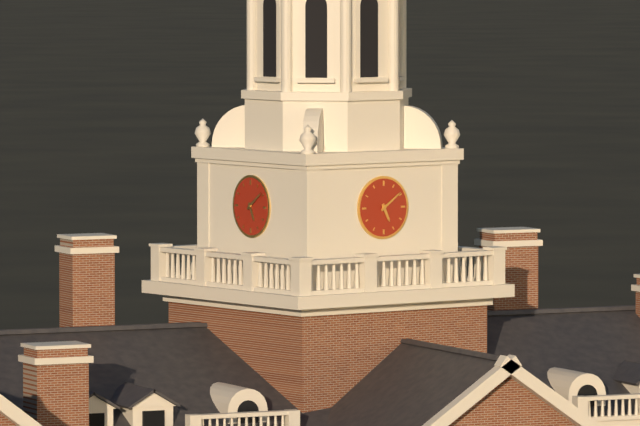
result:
5.09
